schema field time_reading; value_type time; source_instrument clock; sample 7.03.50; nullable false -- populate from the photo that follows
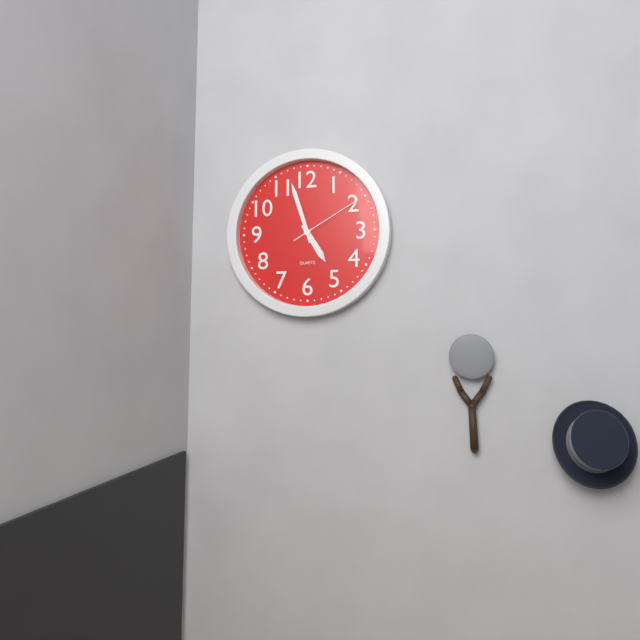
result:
4.57.10
